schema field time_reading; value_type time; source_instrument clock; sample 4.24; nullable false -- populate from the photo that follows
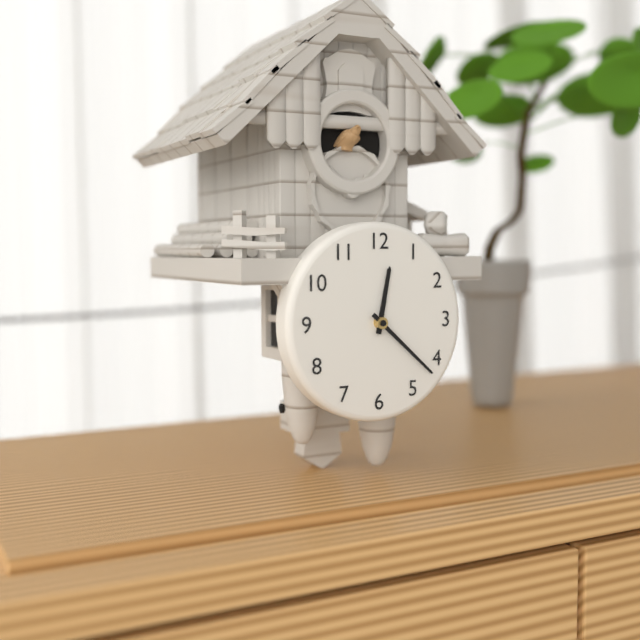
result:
12.22
